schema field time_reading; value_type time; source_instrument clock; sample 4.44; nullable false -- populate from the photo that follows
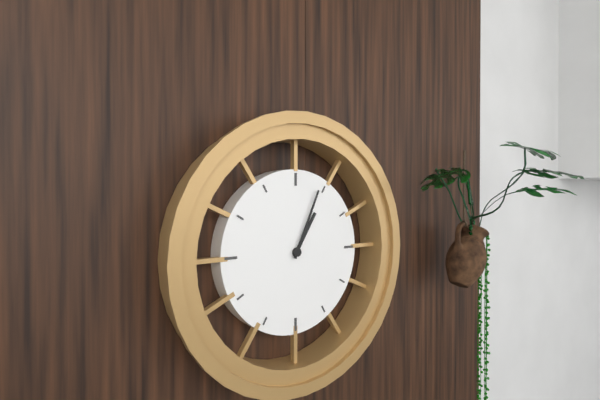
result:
1.04
